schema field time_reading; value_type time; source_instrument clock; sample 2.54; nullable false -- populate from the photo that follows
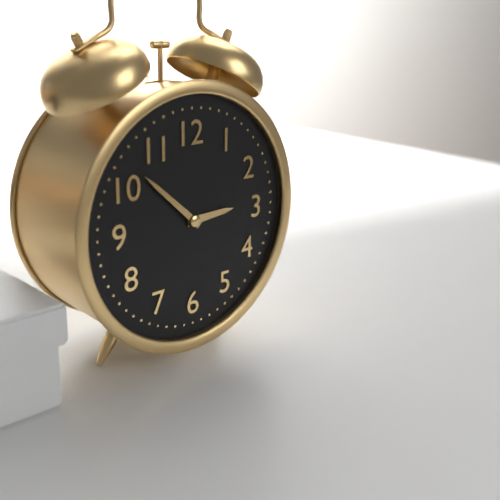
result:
2.52
